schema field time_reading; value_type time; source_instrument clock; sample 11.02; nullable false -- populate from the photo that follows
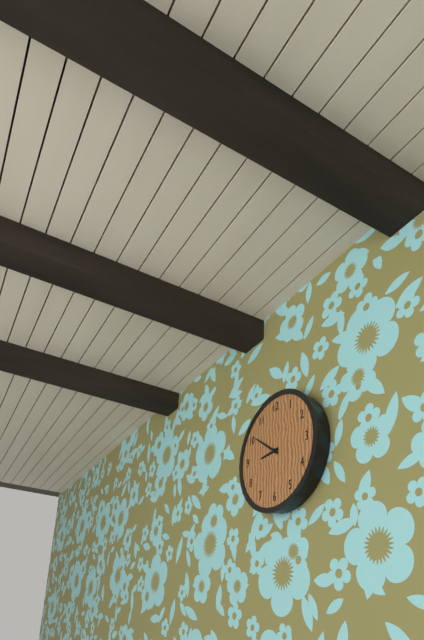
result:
8.51
